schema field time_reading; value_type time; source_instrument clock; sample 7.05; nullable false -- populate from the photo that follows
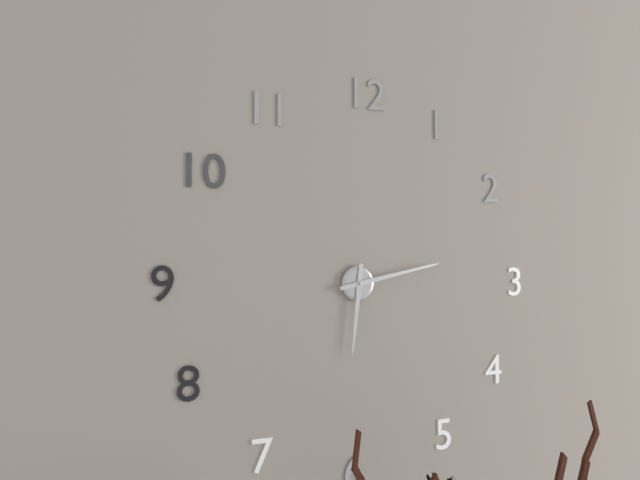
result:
6.13
